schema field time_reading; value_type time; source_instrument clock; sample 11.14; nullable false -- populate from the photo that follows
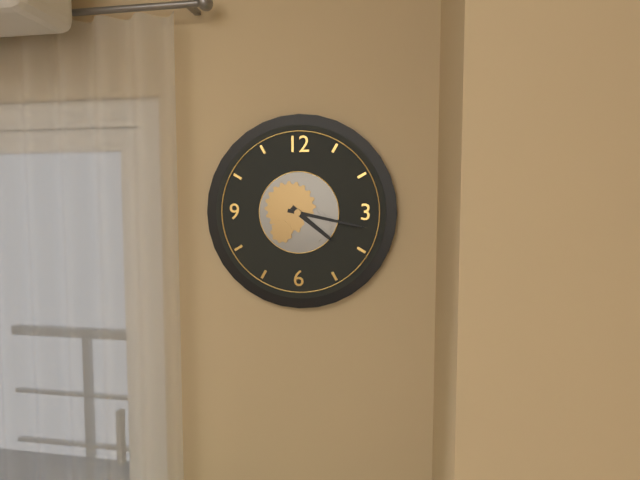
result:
4.17
